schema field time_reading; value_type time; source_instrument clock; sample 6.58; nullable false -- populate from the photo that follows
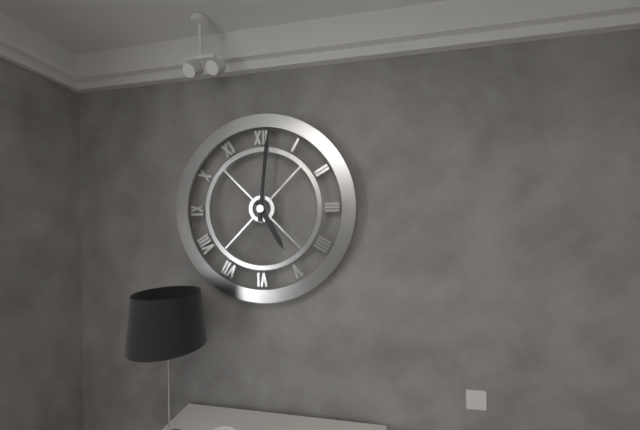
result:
5.01
